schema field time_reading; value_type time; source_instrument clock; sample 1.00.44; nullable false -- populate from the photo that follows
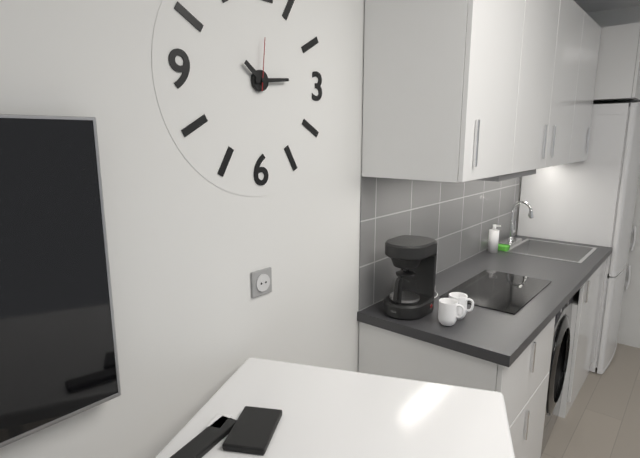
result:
10.14.01
